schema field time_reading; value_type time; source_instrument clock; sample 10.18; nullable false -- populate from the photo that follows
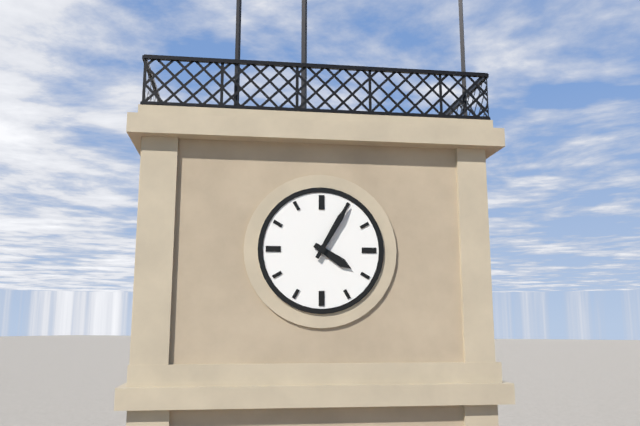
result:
4.05
